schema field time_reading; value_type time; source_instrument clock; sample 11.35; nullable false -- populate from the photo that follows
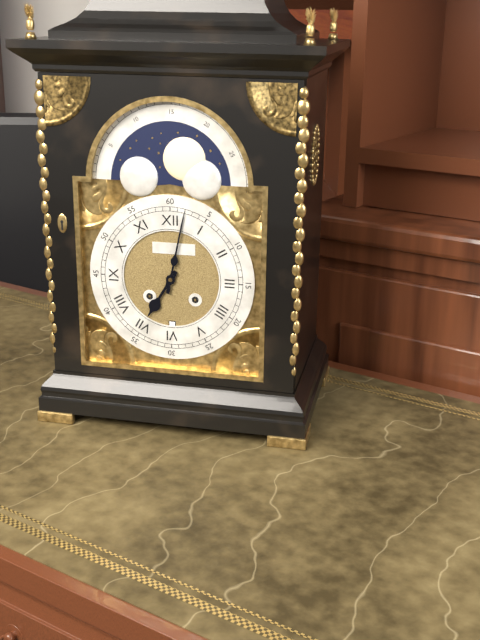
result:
7.02
